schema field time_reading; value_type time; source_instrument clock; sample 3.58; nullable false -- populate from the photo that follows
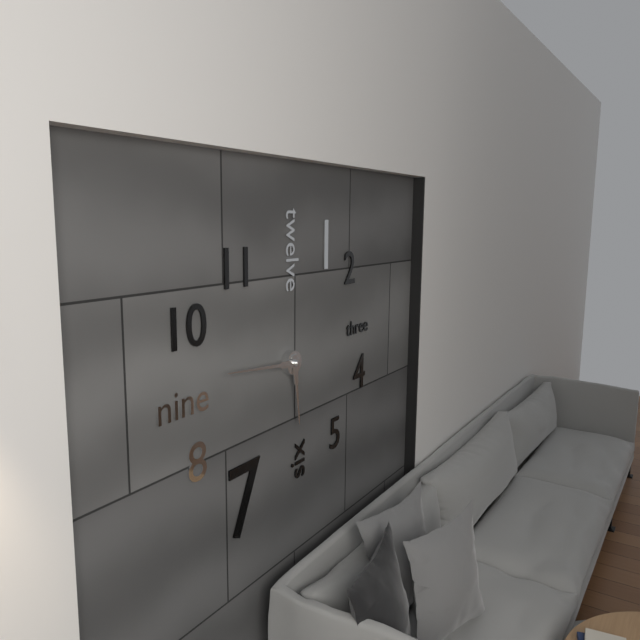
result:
5.46
